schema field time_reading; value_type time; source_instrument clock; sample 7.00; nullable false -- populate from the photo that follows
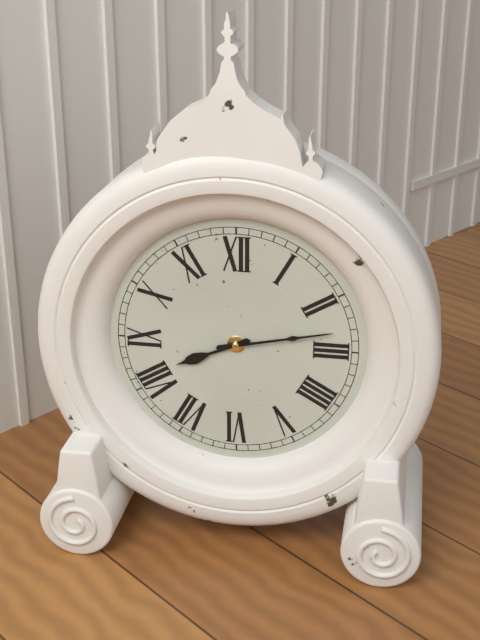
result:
8.13
